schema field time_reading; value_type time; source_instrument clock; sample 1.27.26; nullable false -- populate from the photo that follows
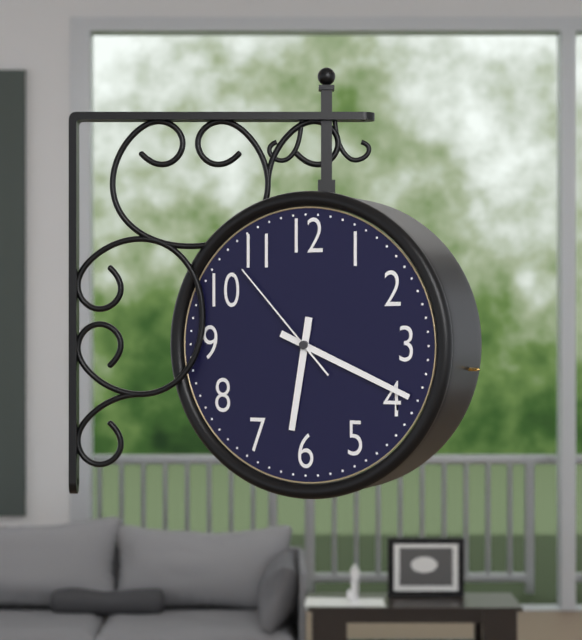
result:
6.19.53
